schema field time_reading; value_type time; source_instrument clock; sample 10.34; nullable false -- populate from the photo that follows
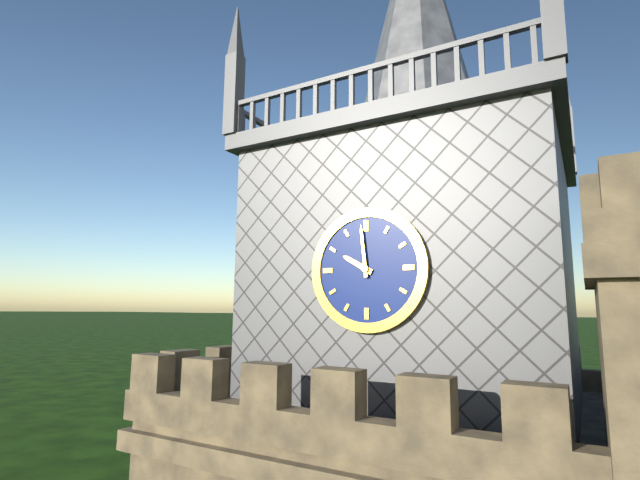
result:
9.59
